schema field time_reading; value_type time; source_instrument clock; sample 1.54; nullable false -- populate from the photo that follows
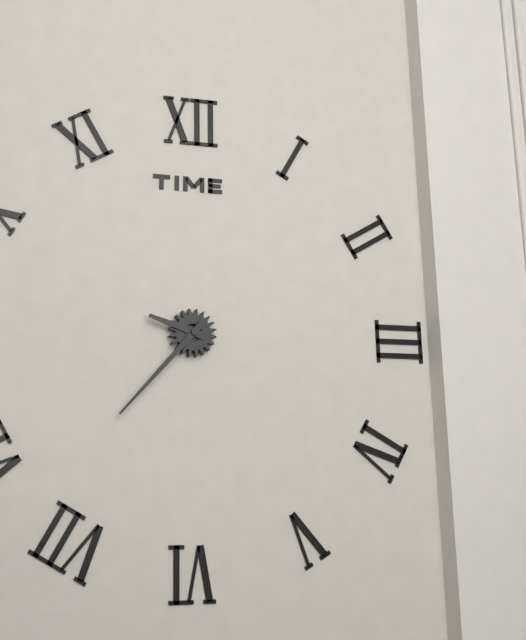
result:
9.37
